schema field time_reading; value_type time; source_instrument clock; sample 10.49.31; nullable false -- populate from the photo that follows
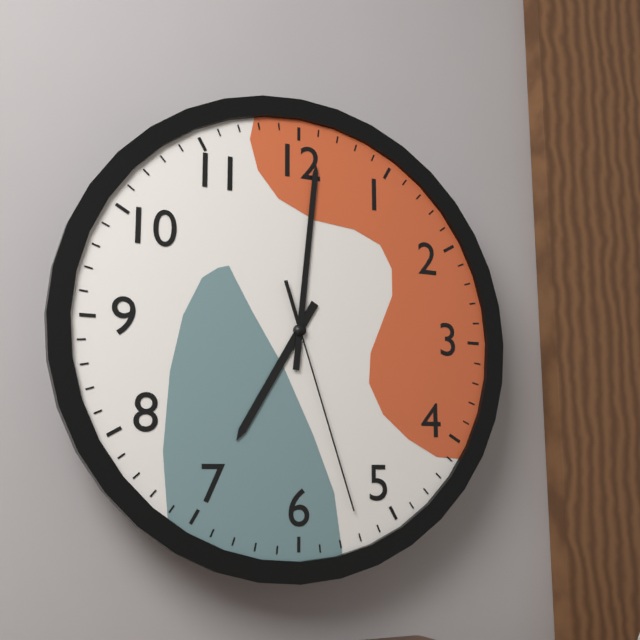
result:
7.01.27
